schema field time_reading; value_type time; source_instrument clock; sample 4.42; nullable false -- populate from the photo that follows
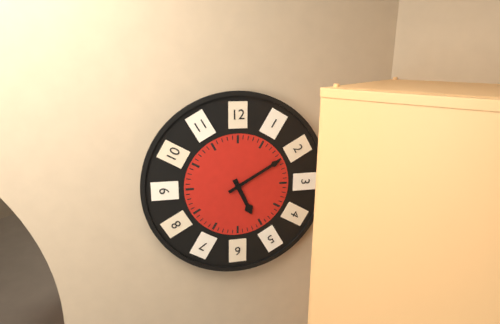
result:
5.10
